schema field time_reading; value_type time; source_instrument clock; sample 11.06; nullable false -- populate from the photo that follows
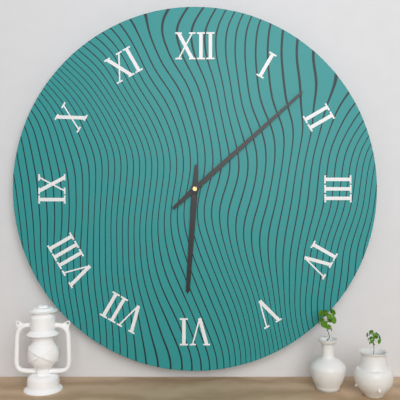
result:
6.08
